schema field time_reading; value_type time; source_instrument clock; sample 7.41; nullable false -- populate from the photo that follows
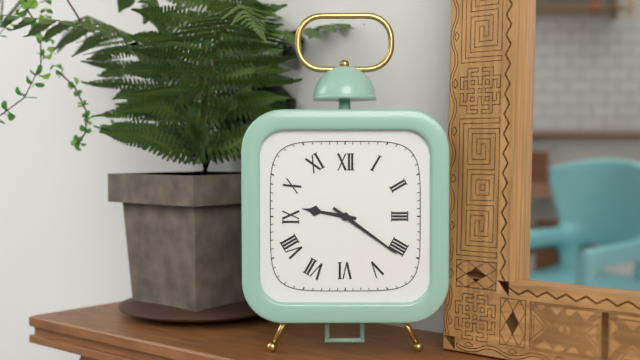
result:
9.21
